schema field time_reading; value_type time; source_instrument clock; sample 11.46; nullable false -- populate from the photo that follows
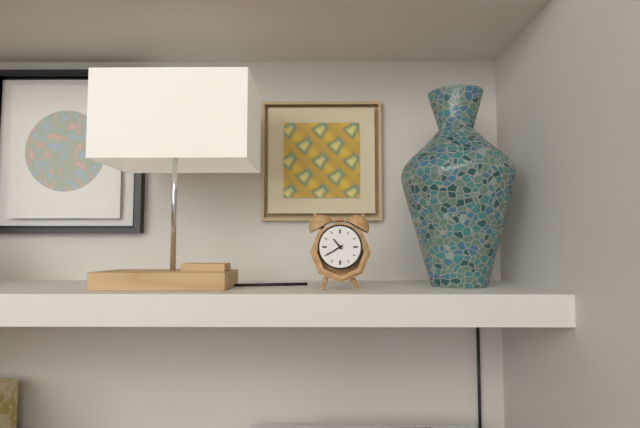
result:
10.40
